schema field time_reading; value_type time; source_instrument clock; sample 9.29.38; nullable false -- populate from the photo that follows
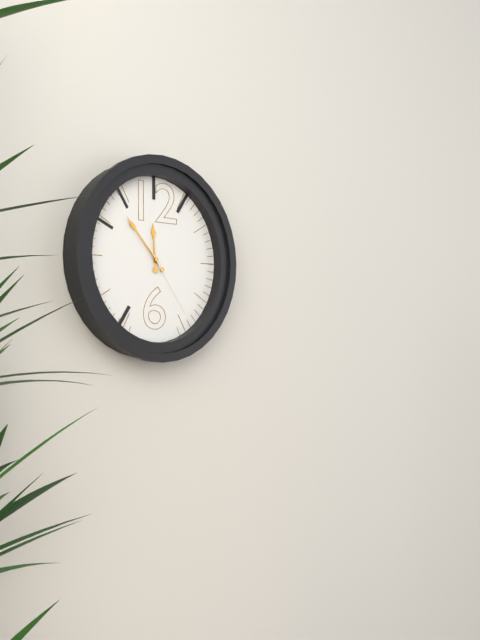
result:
11.53.24
